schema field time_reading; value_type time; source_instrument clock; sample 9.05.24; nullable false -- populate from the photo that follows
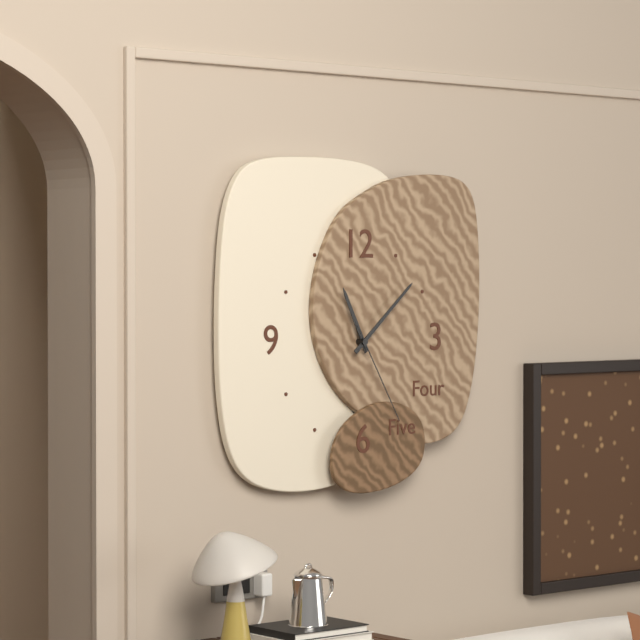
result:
11.08.25
